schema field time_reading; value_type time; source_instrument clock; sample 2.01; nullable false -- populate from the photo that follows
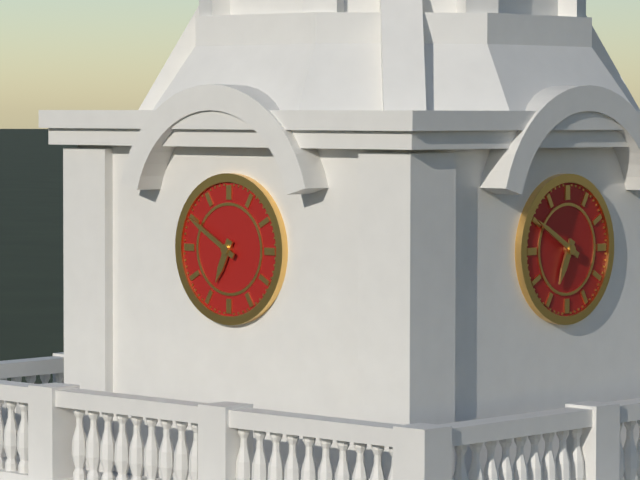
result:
6.50
